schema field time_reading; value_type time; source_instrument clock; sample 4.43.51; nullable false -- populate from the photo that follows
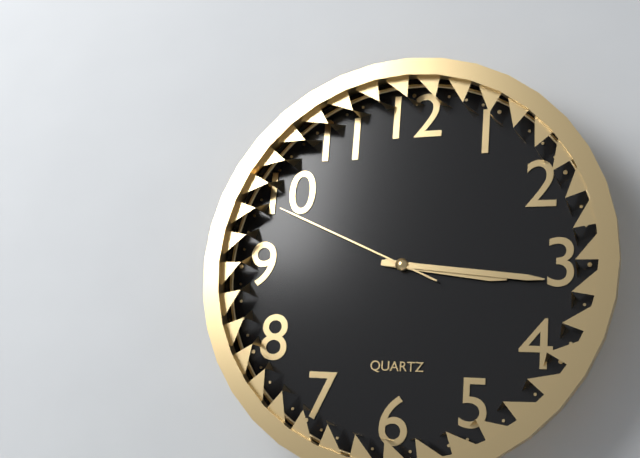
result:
3.16.49
